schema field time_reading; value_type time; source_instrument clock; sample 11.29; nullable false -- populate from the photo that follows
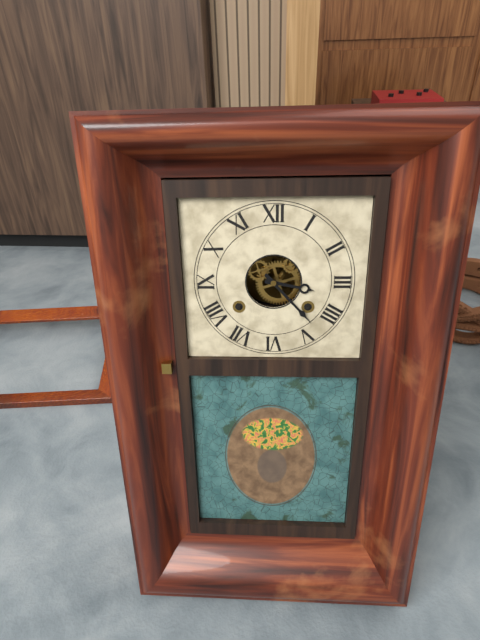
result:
3.23
